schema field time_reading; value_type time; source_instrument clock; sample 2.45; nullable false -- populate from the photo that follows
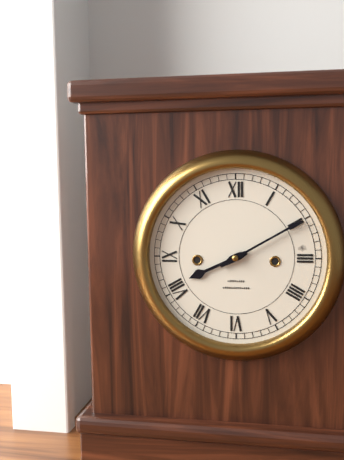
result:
8.10
